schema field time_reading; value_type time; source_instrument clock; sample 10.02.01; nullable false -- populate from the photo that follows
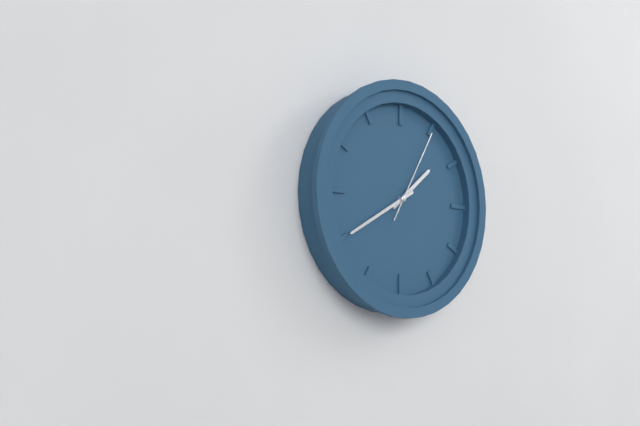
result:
1.40.05
